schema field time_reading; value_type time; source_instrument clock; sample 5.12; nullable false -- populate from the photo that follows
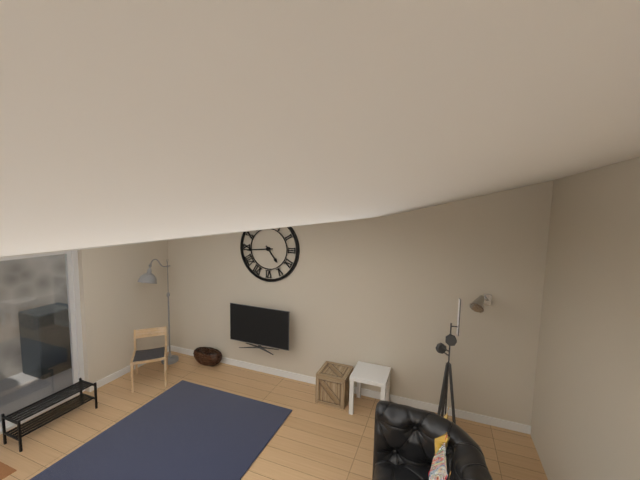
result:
4.44
